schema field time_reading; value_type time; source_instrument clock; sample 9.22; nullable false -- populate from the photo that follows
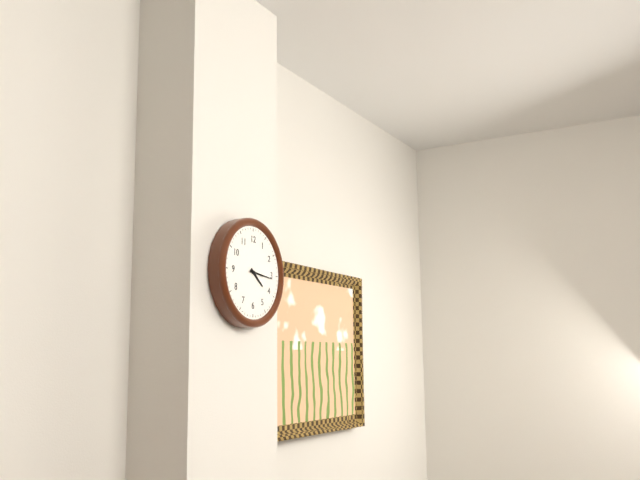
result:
4.16
